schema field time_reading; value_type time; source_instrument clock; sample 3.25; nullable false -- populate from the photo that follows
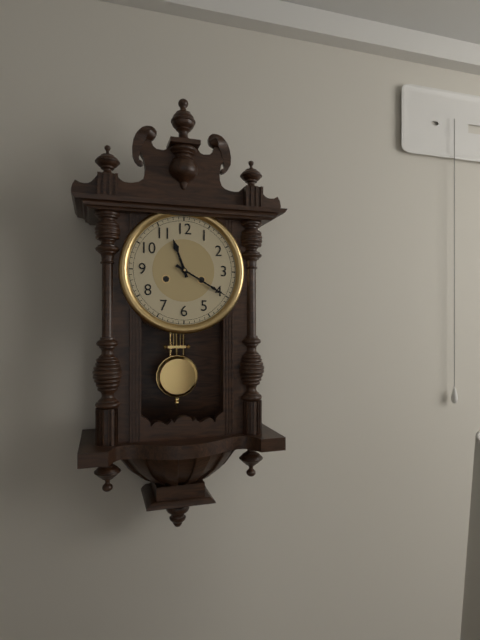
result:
11.20
